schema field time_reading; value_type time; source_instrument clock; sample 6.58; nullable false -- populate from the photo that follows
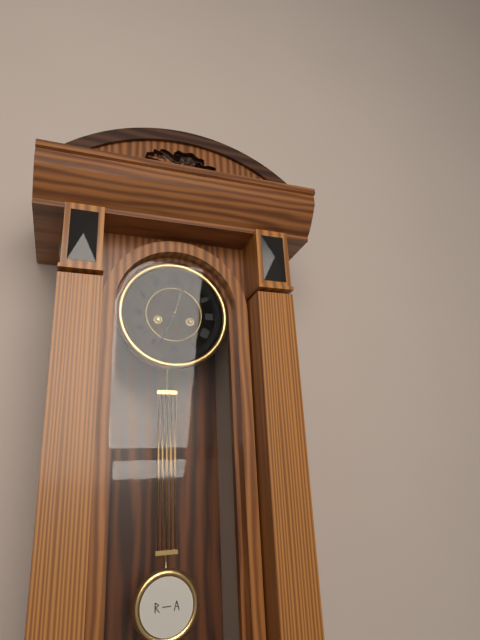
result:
12.34
